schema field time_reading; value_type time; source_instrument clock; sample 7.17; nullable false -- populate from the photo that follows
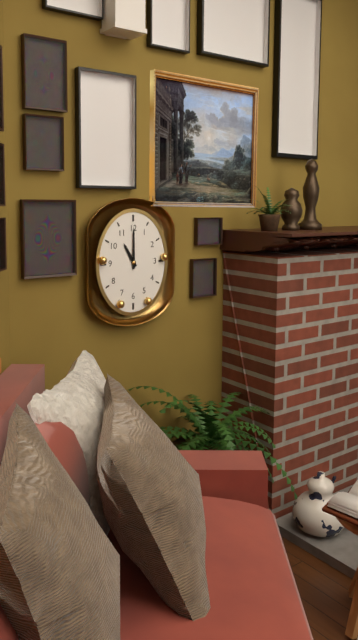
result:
11.00
